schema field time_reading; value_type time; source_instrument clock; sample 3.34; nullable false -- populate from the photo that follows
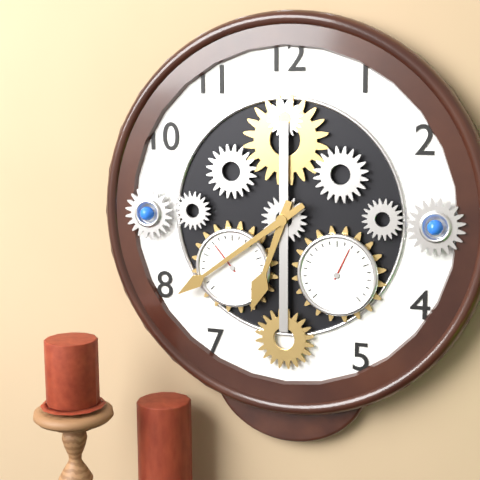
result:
6.39
